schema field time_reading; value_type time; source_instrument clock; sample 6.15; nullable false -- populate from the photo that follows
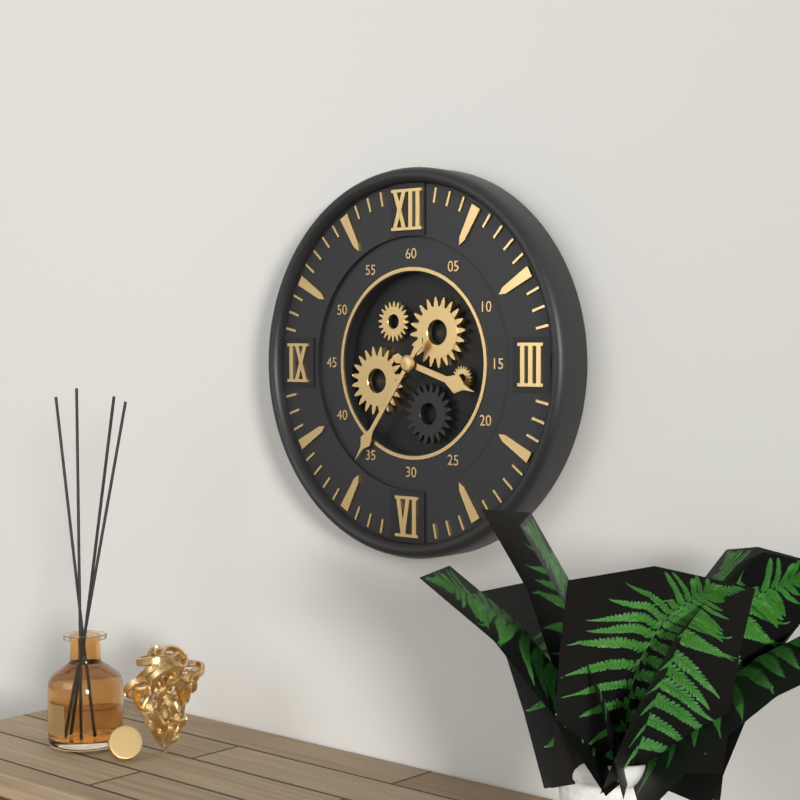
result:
3.36
